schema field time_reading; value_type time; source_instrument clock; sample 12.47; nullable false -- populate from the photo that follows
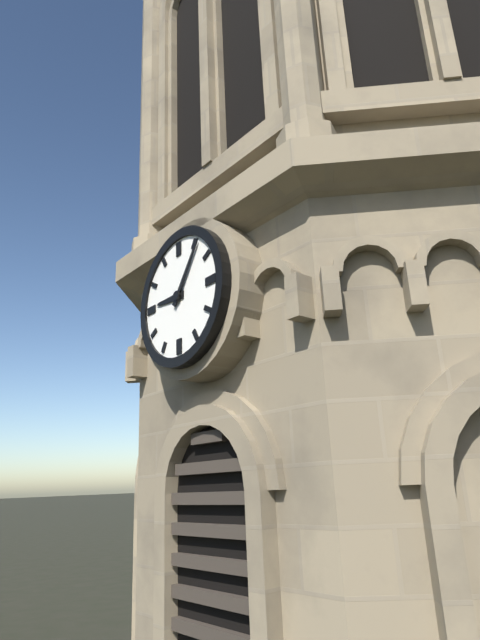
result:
9.06
